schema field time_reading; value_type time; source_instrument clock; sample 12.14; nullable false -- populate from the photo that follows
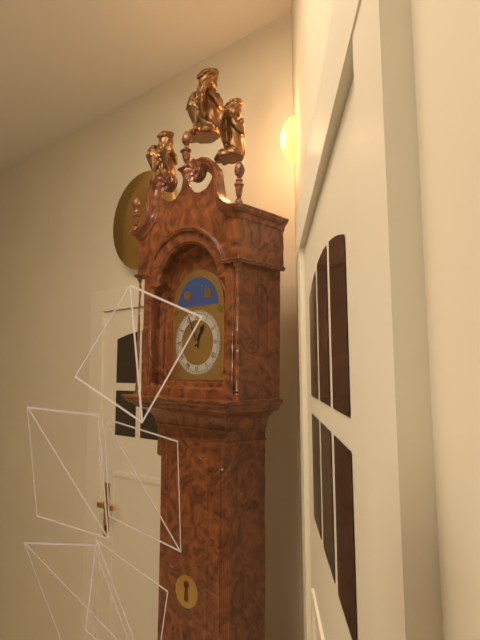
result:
12.56
